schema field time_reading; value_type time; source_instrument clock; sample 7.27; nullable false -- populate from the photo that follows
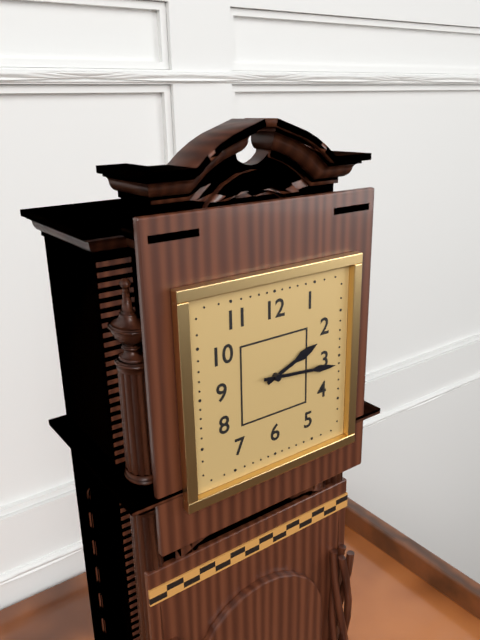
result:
2.16
